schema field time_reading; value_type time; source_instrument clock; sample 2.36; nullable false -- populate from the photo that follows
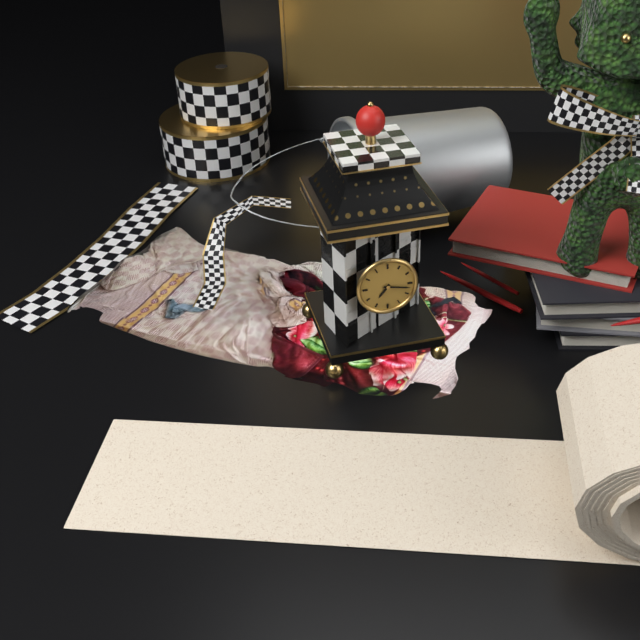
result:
7.17
